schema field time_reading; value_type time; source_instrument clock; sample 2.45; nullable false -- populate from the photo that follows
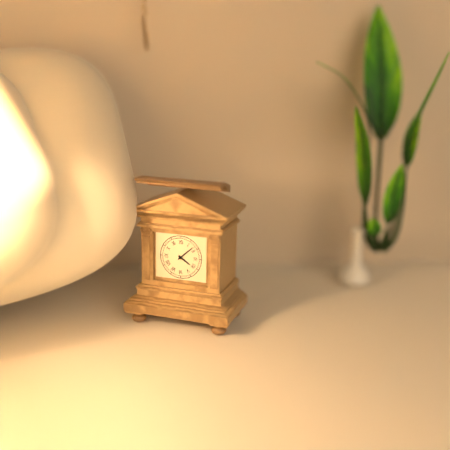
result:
4.08
